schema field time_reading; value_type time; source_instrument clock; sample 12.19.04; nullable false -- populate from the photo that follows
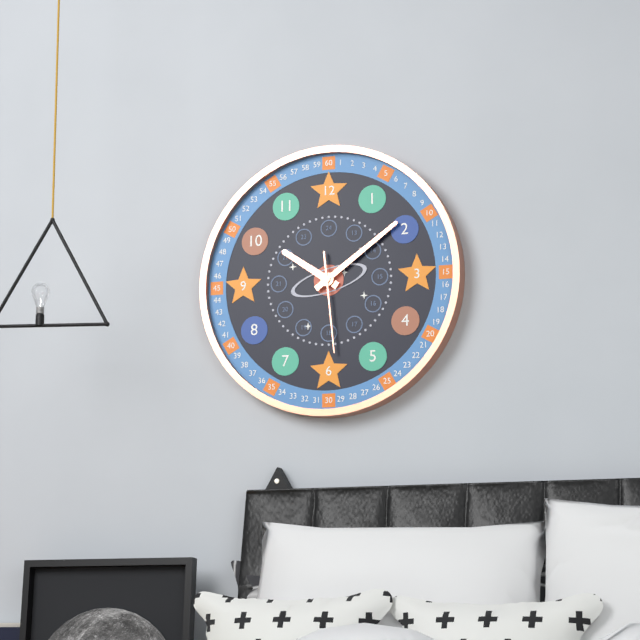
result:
10.09.29
